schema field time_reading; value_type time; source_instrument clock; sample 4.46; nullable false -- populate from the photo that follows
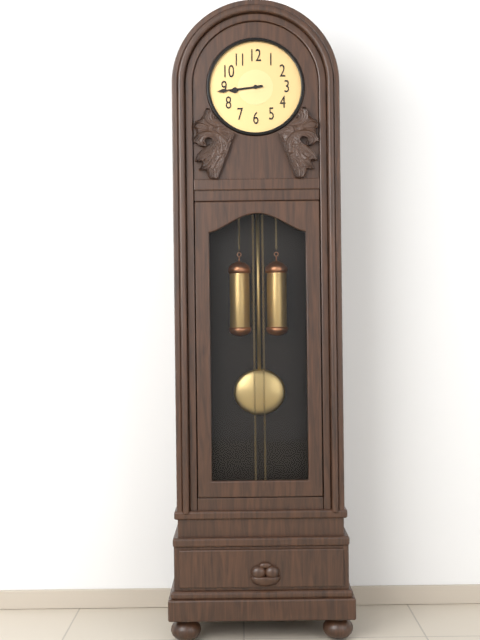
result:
8.44
